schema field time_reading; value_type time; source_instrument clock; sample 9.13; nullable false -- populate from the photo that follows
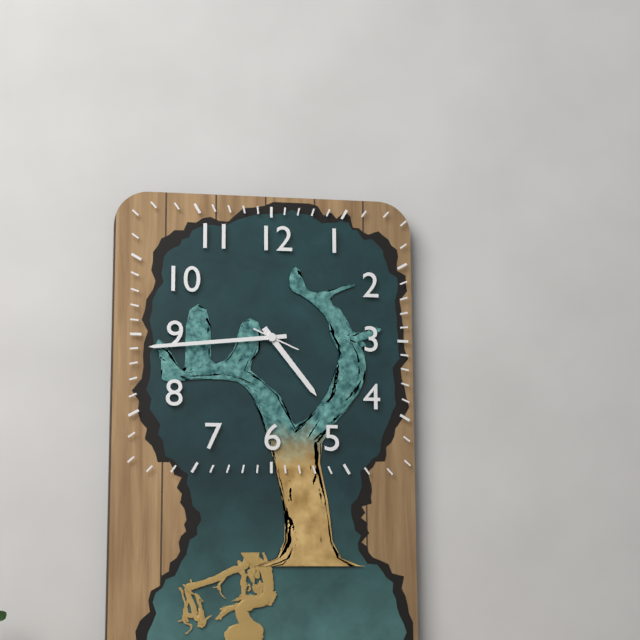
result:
4.44
